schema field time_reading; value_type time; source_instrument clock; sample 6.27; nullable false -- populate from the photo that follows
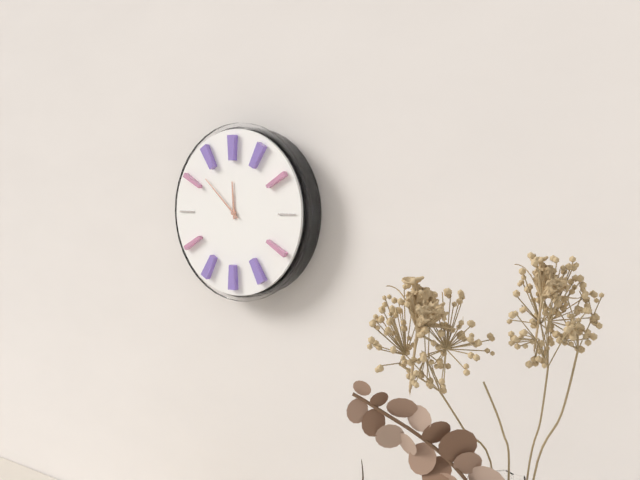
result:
11.52
